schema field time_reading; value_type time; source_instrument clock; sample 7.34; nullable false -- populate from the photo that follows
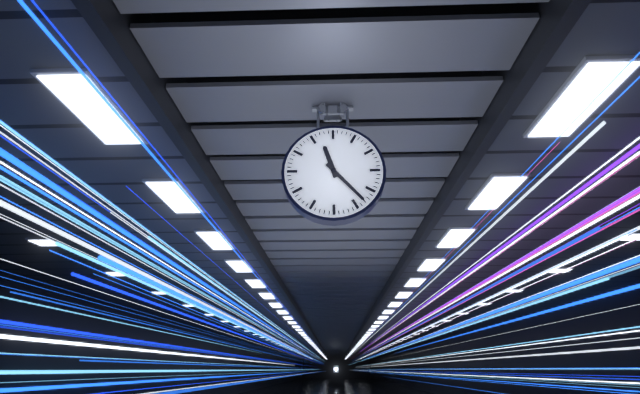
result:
11.23
